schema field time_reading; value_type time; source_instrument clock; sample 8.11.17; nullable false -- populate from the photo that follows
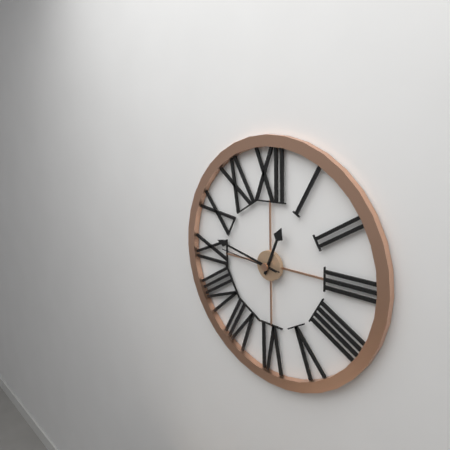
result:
12.47.46
